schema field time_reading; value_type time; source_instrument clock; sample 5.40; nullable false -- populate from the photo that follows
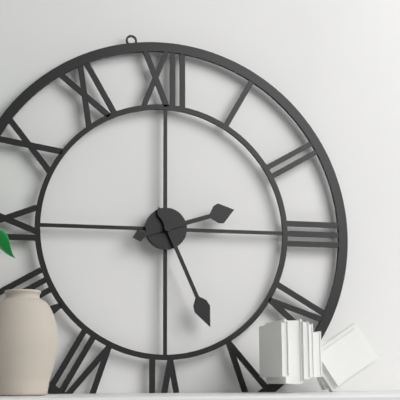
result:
2.26
